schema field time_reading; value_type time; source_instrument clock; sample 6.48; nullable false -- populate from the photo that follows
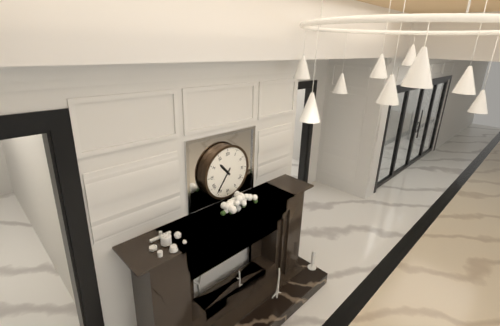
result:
10.36
